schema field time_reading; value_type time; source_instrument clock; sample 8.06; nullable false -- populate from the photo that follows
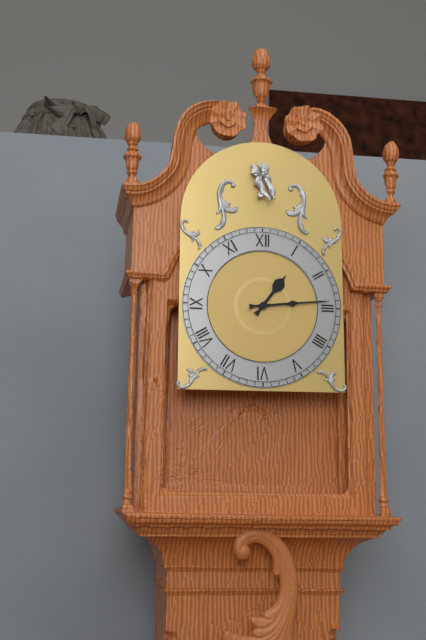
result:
1.14
